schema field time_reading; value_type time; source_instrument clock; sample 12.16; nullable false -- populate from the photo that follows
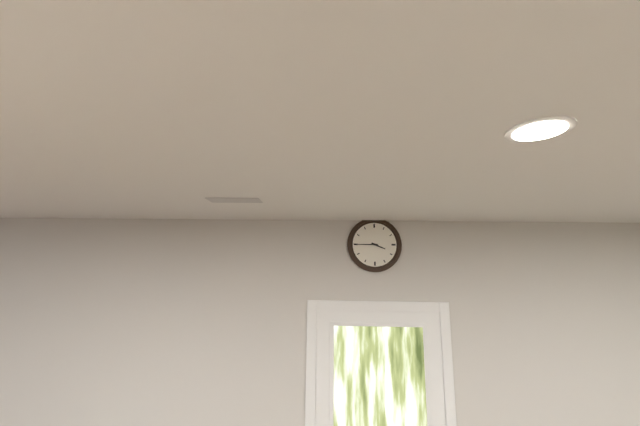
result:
3.45
